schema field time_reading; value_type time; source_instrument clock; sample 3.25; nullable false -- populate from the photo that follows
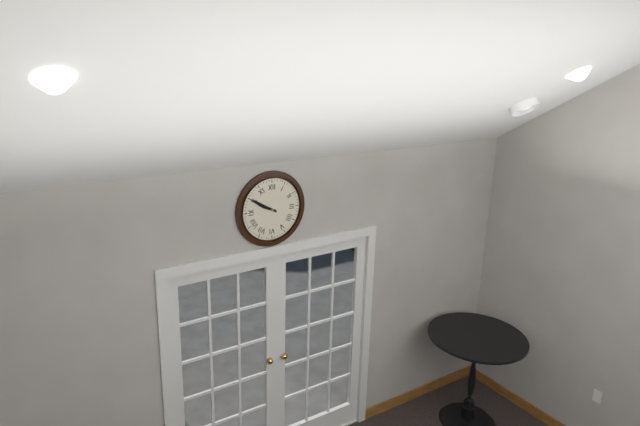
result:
9.50
